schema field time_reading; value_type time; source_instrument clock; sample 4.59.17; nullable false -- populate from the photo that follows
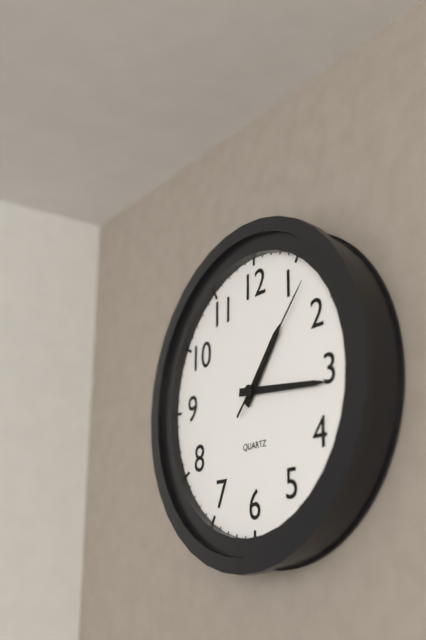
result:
1.16.07
